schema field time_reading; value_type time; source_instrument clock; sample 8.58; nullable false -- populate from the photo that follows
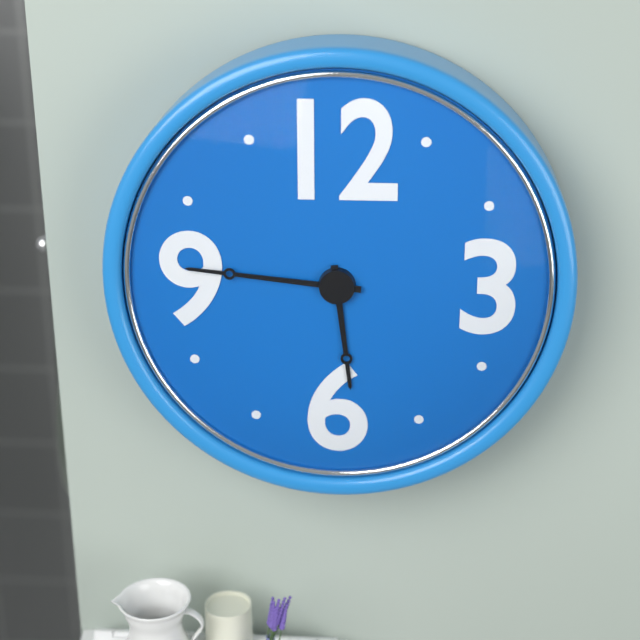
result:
5.46
